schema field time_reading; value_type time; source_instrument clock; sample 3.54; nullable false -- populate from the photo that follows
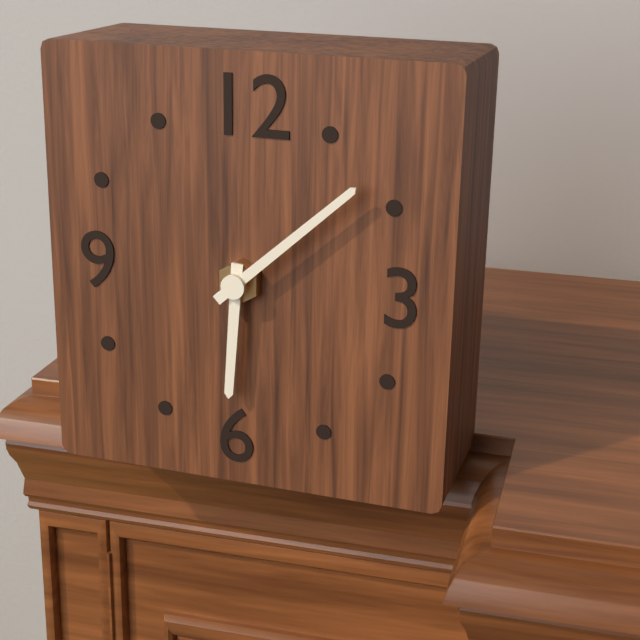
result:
6.08
